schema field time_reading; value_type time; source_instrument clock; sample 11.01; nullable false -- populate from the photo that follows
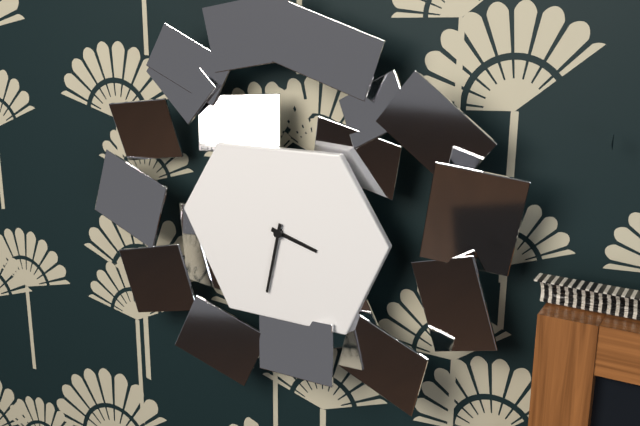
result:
3.32
